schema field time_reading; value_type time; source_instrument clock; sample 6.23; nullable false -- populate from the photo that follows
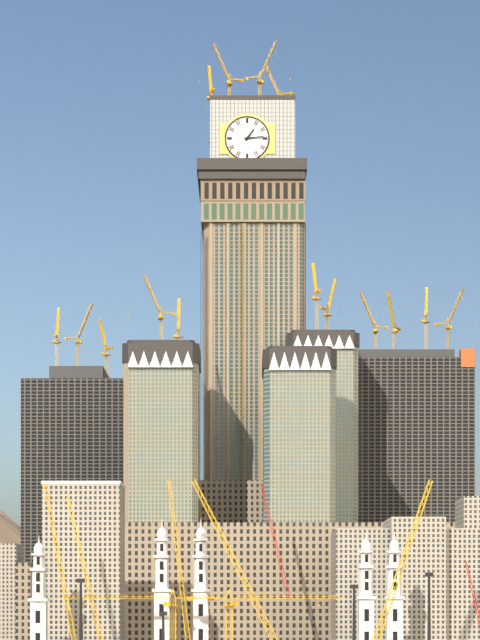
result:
1.14
